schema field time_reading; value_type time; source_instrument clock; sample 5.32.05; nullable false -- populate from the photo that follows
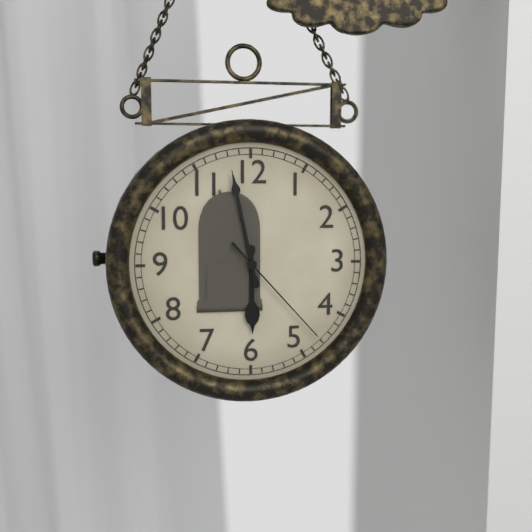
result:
5.58.23
